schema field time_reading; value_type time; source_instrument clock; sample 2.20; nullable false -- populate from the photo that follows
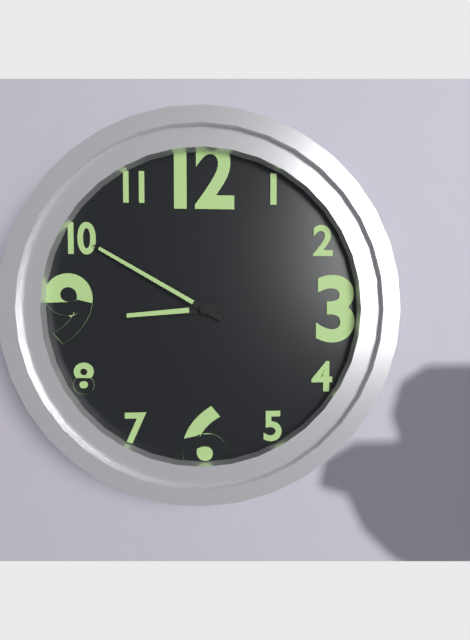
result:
8.50
